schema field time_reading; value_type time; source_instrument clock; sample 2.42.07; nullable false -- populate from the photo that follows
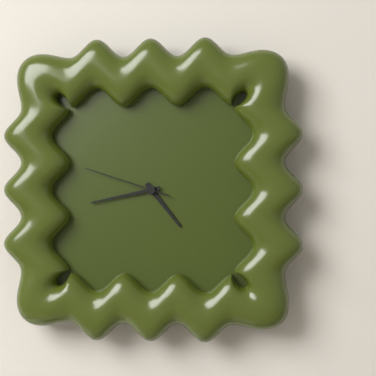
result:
4.43.48
